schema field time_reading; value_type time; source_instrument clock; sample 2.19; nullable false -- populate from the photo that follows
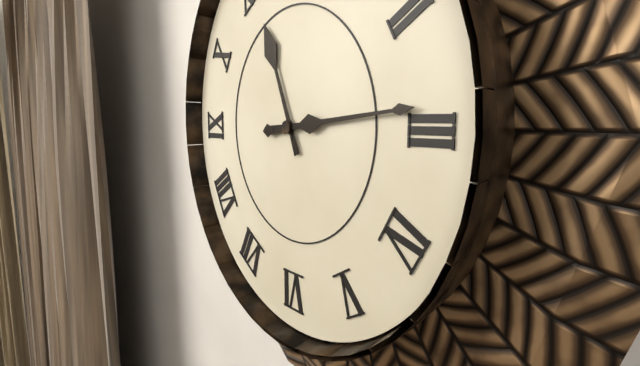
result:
11.14
